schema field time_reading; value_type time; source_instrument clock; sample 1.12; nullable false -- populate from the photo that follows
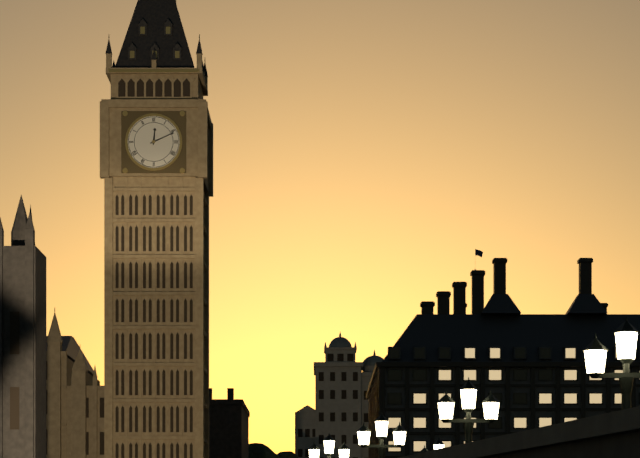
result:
12.11
